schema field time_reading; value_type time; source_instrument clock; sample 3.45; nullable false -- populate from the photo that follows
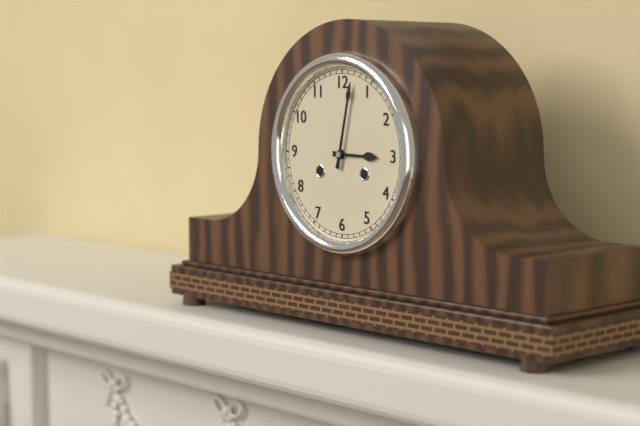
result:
3.02
